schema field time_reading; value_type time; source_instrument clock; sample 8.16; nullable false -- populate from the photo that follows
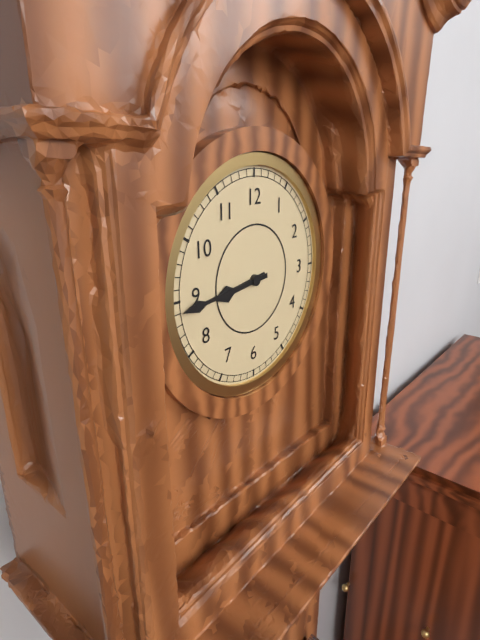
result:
8.44
